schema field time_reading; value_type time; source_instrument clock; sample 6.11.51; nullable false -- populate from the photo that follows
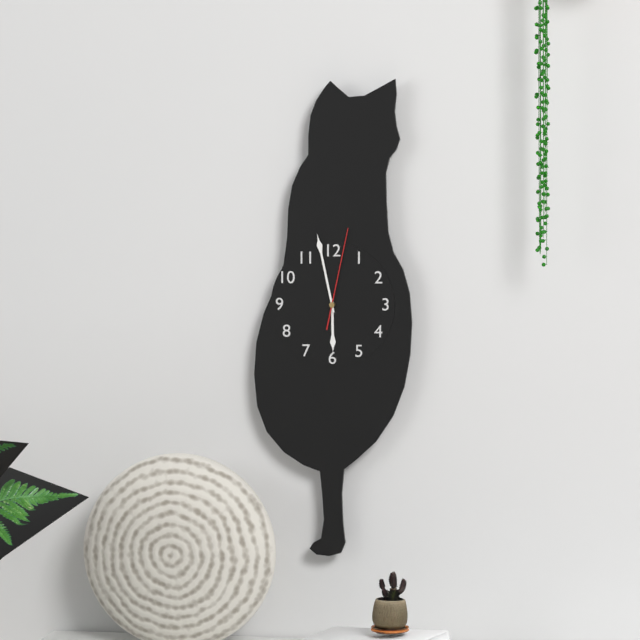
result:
5.58.02
